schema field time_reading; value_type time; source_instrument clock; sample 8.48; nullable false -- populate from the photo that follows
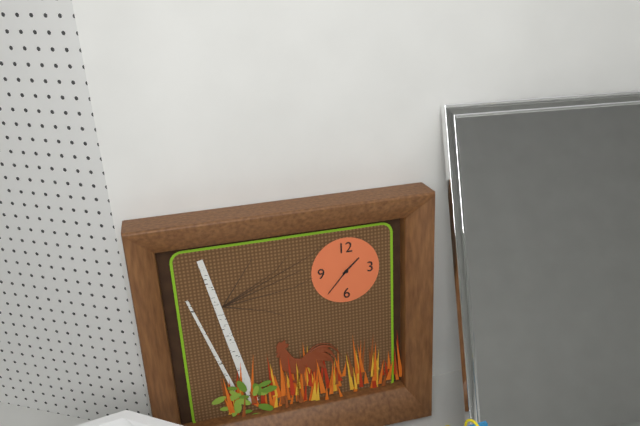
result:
1.37
